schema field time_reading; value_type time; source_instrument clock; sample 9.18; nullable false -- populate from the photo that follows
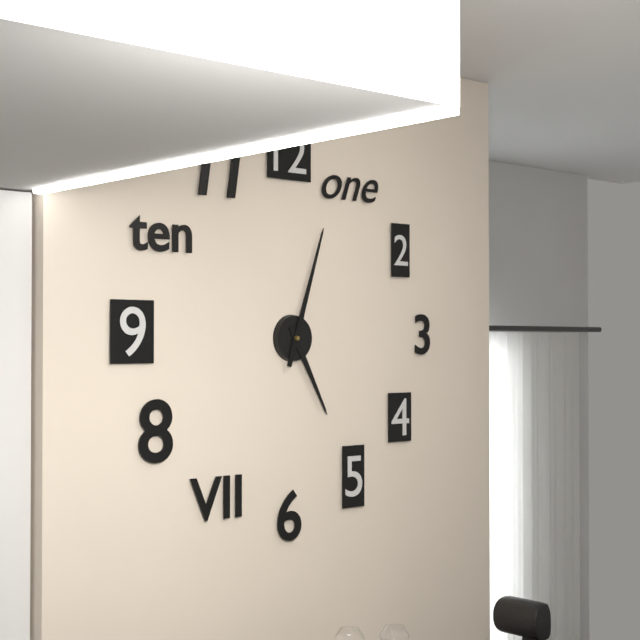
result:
5.03
